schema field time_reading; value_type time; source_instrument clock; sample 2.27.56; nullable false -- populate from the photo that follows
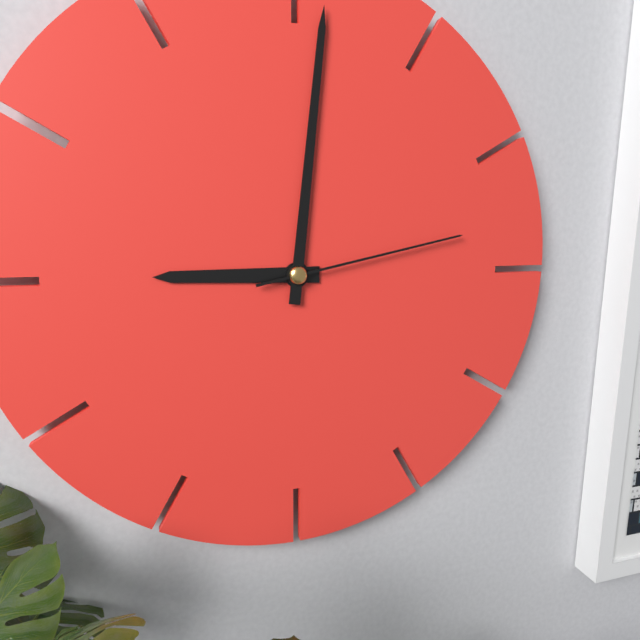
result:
9.01.13
